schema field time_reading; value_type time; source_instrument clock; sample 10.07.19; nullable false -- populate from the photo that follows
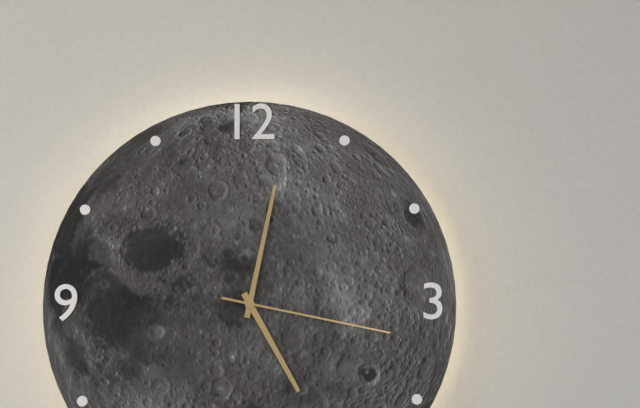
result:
5.02.17
